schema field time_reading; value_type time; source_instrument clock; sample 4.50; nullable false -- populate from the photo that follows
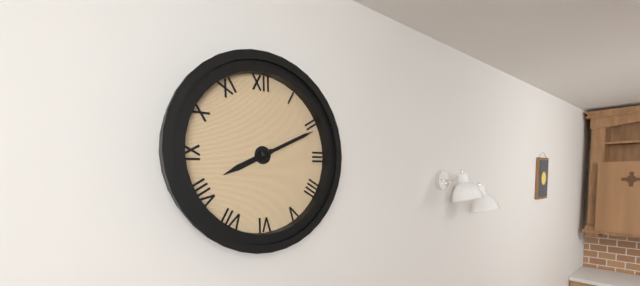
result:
8.11
